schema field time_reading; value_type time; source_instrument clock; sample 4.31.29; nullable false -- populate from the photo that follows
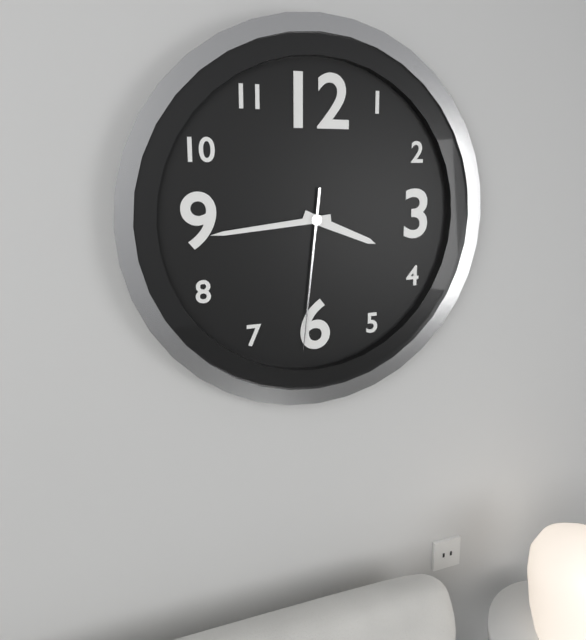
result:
3.44.31
